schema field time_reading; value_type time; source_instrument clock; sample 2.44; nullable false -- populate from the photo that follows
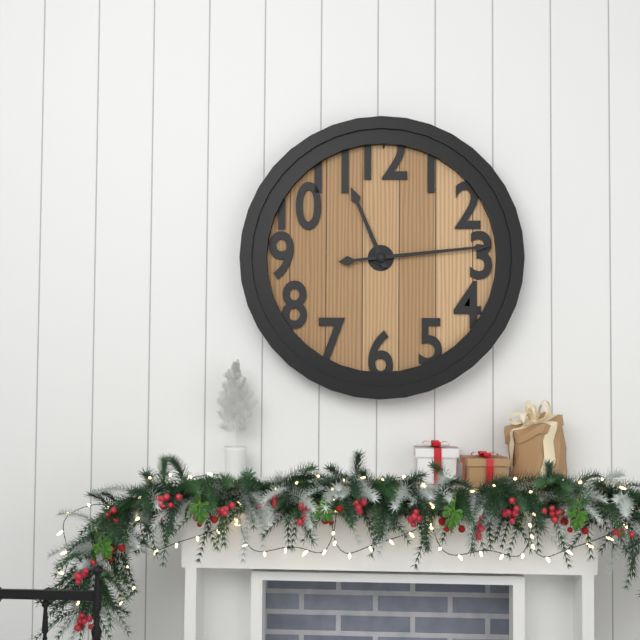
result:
11.14
